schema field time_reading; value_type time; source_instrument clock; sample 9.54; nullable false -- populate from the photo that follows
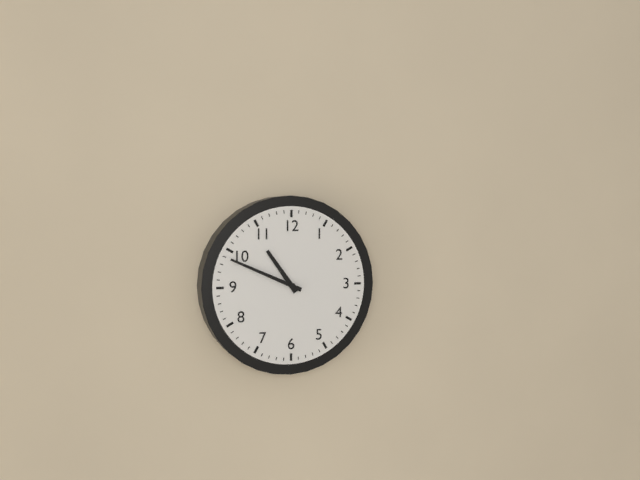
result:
10.49
